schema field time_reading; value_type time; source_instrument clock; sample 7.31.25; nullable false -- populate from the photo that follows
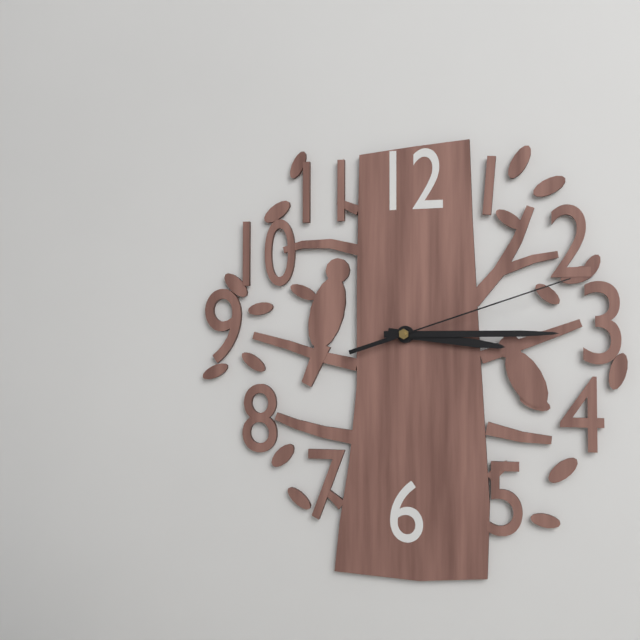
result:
3.15.12
